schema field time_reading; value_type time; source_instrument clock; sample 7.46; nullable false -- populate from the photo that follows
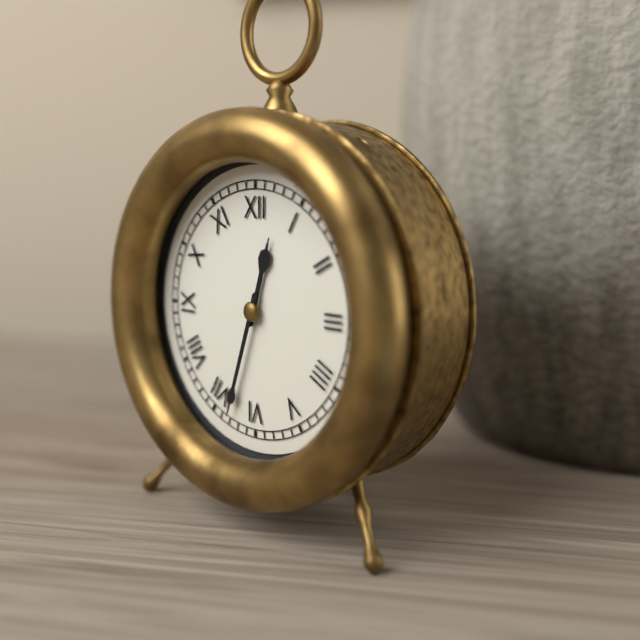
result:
12.33
